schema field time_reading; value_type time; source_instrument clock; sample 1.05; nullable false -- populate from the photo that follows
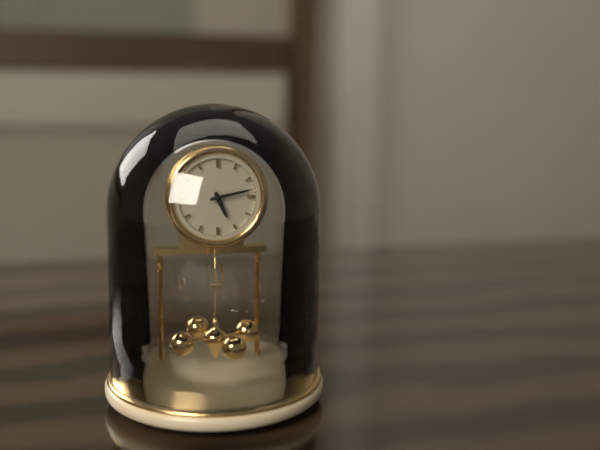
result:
5.13
